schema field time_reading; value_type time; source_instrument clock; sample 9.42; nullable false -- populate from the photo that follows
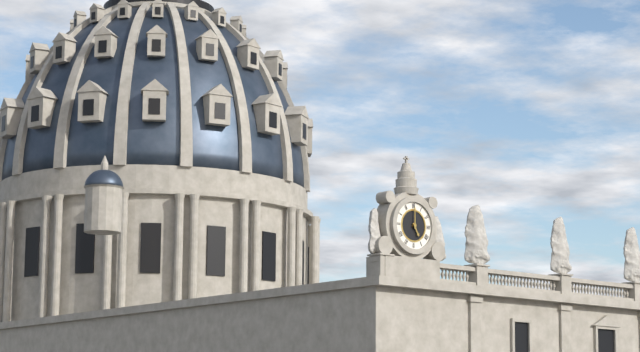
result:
5.00
